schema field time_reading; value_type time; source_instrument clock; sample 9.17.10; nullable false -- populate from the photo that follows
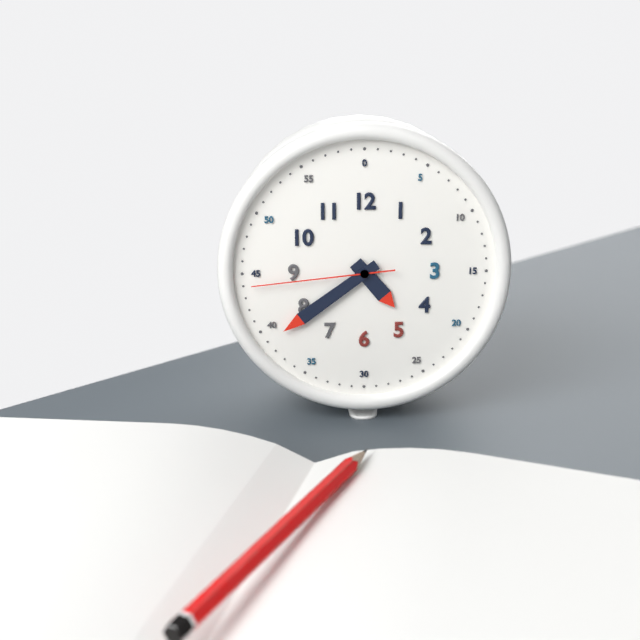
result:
4.39.44
